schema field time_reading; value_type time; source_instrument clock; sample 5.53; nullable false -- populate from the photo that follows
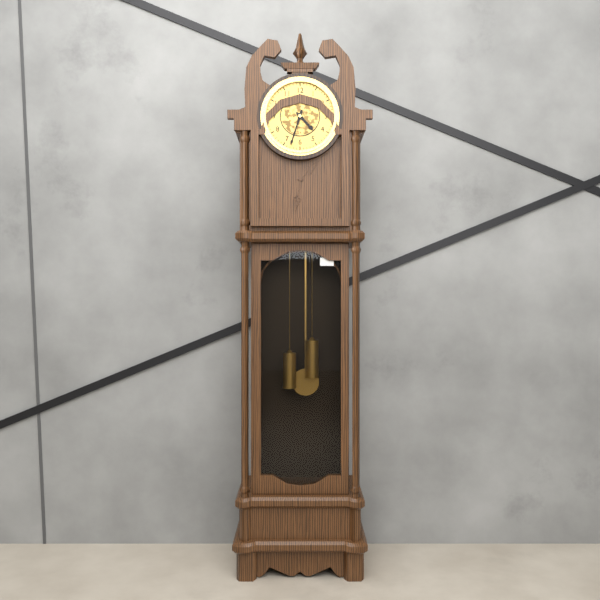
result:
4.33
